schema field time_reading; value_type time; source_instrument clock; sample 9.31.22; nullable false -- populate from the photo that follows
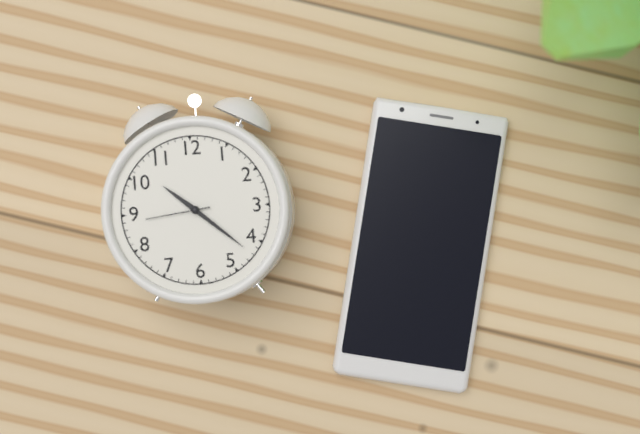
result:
10.22.44
